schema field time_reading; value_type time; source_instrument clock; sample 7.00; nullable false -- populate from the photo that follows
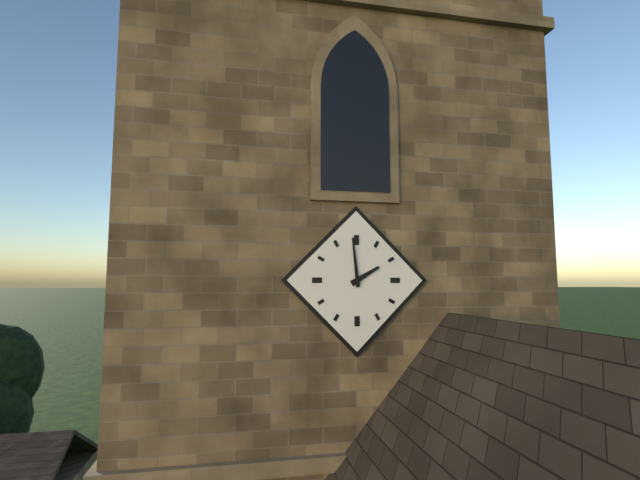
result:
1.59
